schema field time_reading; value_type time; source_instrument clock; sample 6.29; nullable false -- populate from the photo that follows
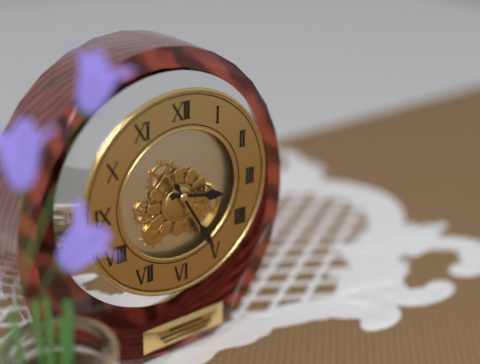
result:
3.25
